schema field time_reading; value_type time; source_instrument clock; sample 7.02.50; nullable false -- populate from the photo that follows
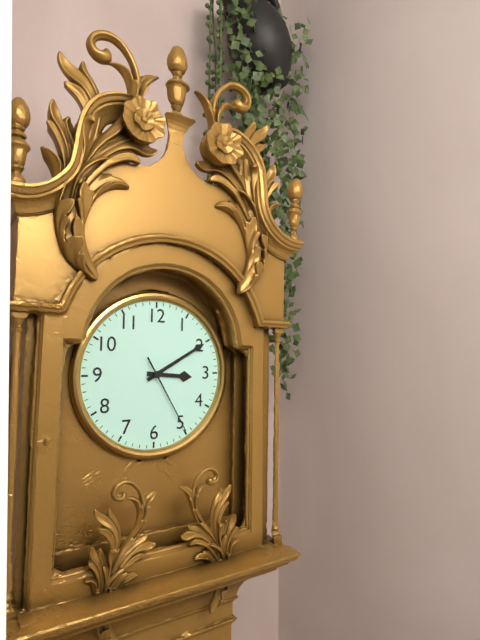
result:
3.10.25
